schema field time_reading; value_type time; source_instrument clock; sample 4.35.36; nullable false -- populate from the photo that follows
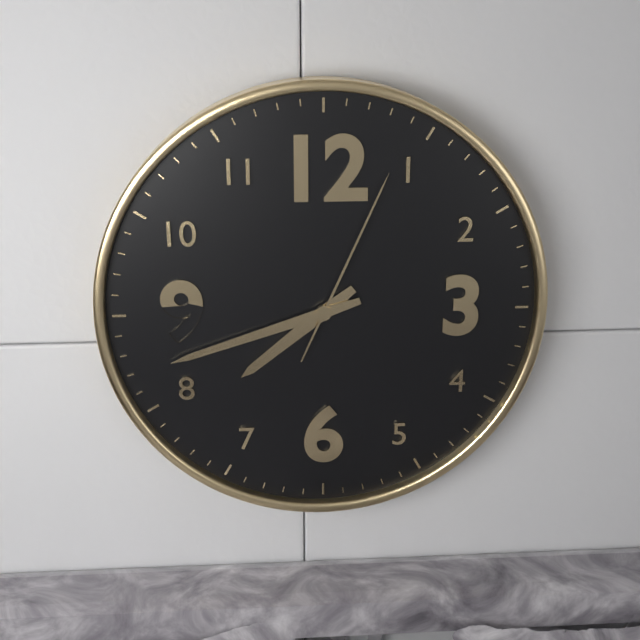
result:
7.42.04
